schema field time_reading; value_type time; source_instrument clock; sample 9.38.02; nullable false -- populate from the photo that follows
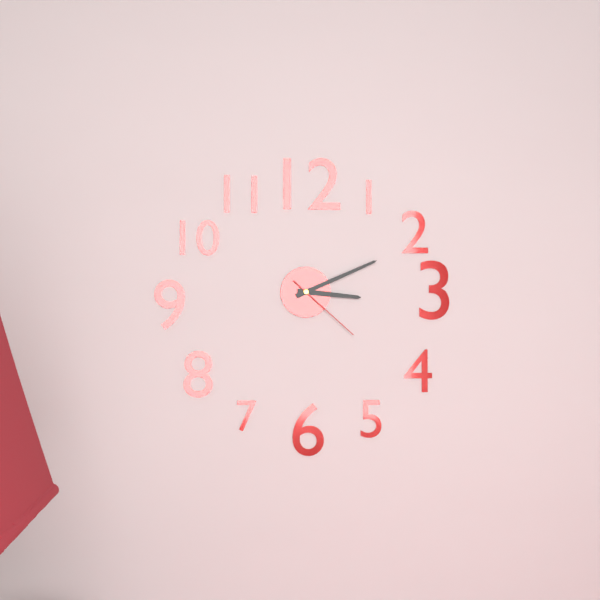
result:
3.11.22
